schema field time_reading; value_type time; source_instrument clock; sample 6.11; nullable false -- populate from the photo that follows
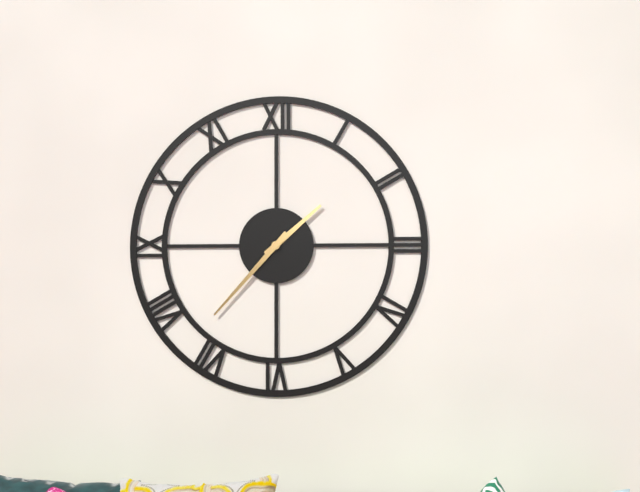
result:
1.37
